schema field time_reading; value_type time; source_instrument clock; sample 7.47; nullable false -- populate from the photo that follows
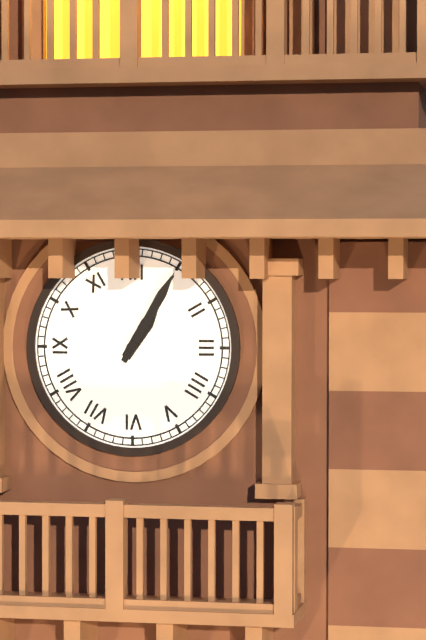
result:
1.05
